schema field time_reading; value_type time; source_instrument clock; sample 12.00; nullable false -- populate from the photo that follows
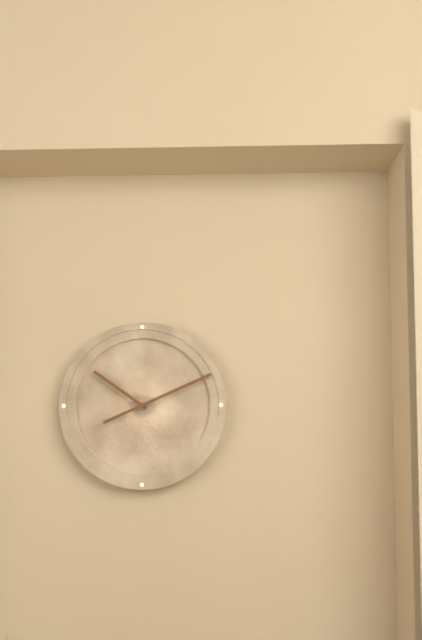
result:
10.11
